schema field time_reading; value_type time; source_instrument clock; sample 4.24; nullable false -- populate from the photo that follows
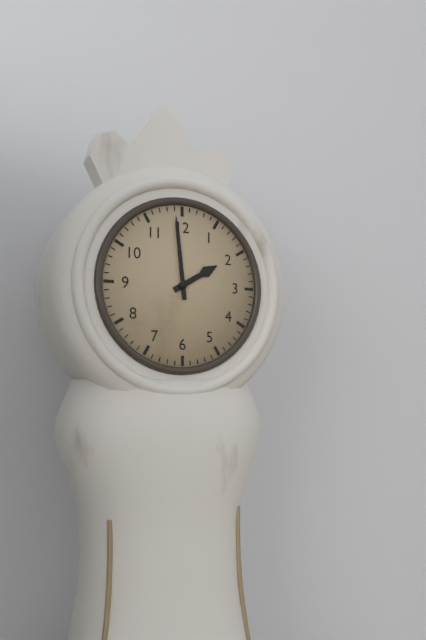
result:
1.59
